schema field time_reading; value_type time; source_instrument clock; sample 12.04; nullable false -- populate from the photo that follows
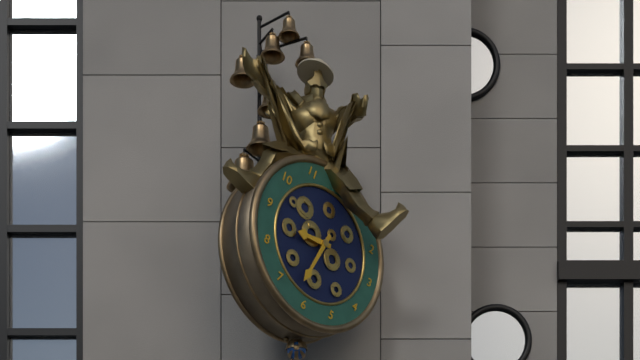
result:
8.32
